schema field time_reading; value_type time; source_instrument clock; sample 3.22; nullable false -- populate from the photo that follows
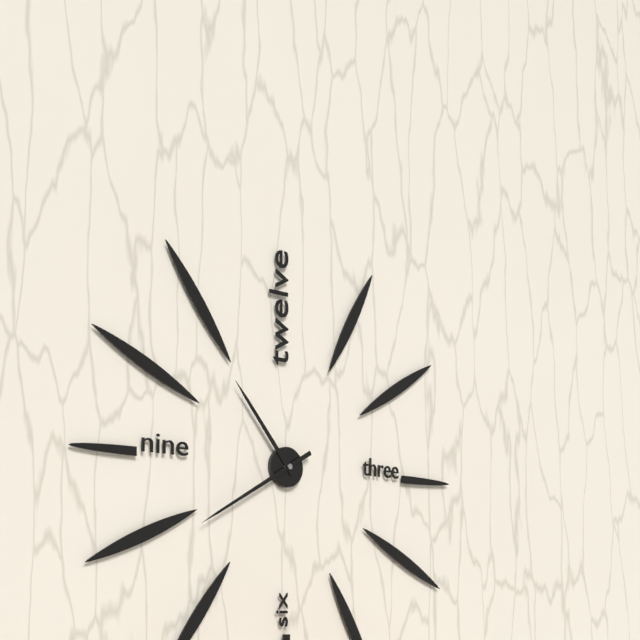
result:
10.40
